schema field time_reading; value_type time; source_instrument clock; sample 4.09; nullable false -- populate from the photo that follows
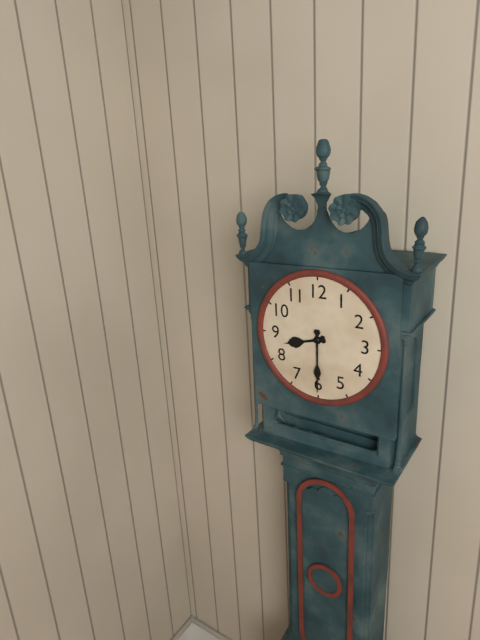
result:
8.30
